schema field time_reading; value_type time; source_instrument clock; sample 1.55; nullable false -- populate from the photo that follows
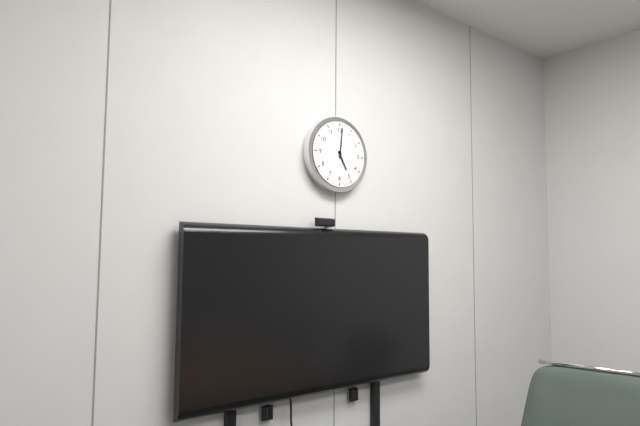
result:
5.01
